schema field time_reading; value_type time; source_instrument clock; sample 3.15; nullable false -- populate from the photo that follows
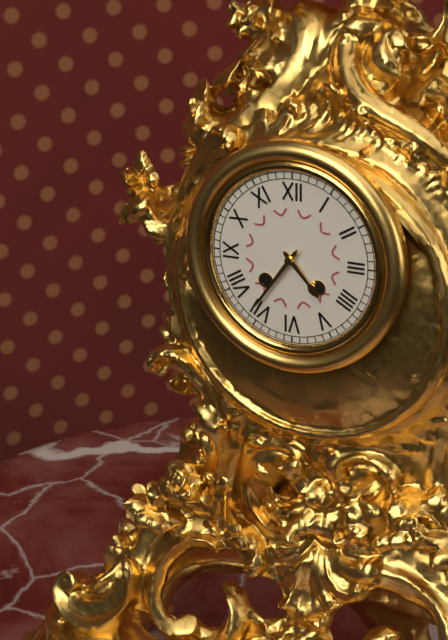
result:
4.36
